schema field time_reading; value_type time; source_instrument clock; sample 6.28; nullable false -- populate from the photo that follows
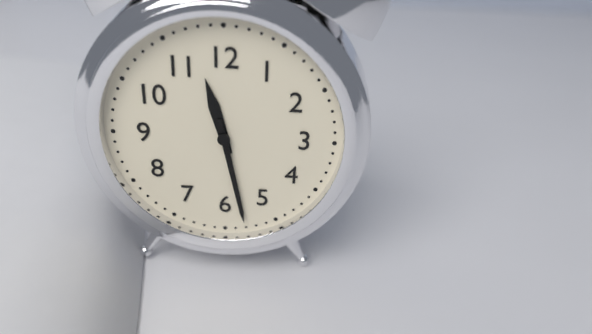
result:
11.28
